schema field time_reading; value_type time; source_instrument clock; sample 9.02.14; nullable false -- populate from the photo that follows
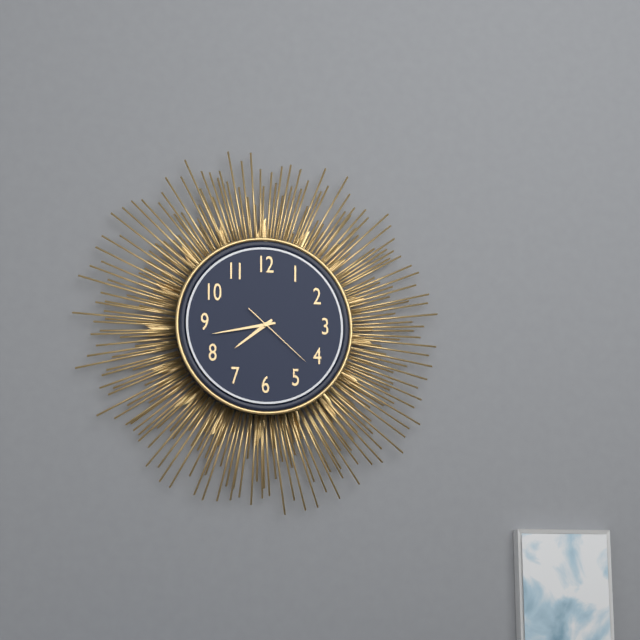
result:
7.43.22
